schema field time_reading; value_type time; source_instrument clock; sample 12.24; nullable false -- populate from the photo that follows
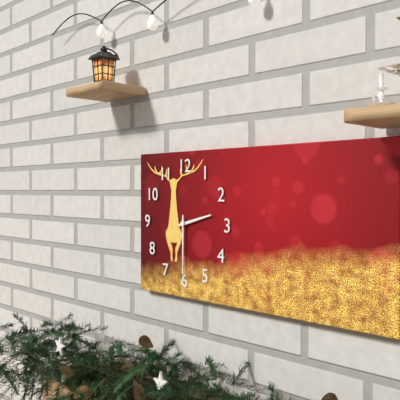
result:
2.30
